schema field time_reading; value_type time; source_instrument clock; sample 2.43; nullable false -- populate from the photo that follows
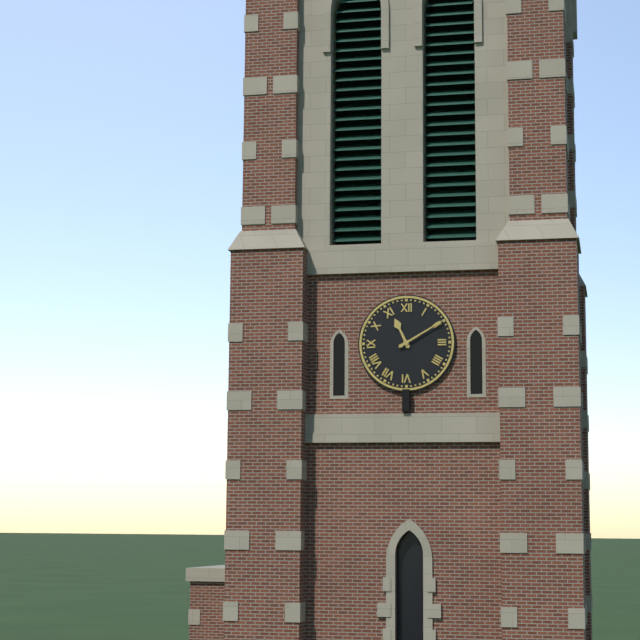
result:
11.10
